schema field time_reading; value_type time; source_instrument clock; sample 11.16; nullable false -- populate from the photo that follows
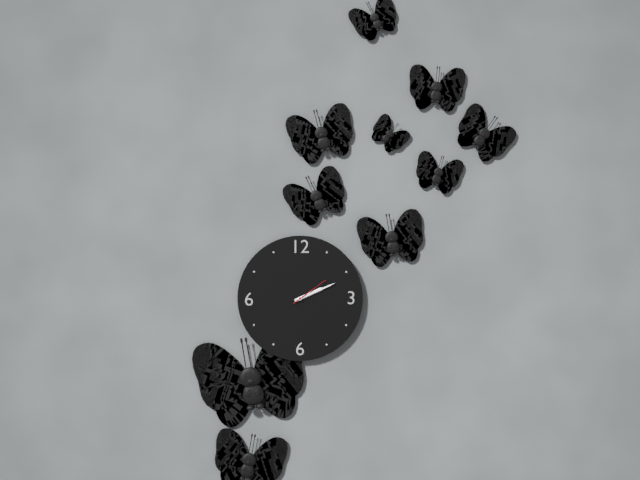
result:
2.11
